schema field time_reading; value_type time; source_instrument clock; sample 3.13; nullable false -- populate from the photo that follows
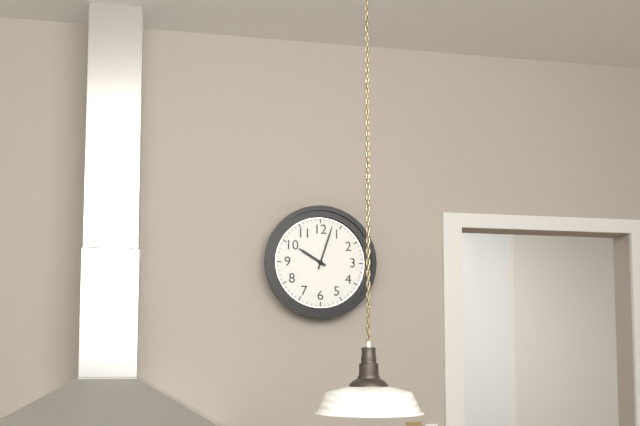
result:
10.03
